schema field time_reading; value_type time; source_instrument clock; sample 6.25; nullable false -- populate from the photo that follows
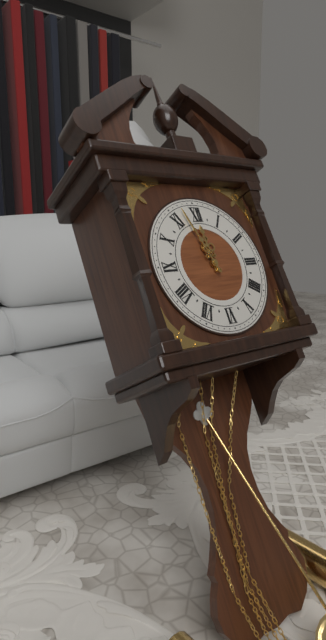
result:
11.57
